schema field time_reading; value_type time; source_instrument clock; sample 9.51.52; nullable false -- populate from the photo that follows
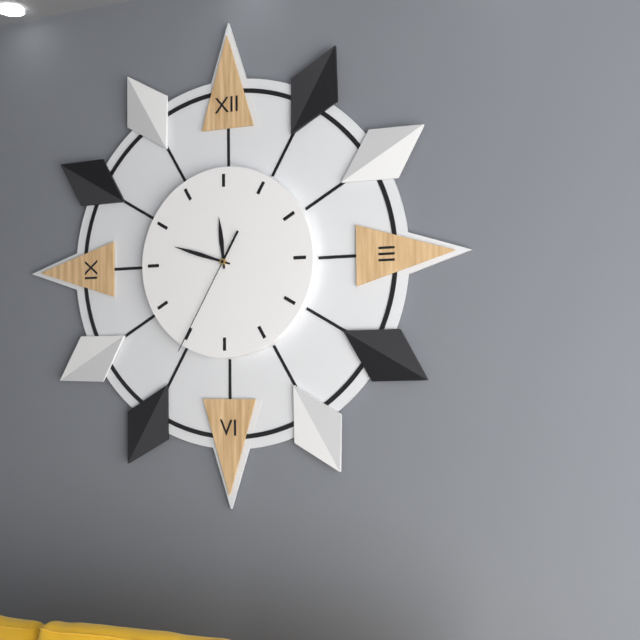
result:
11.48.35
